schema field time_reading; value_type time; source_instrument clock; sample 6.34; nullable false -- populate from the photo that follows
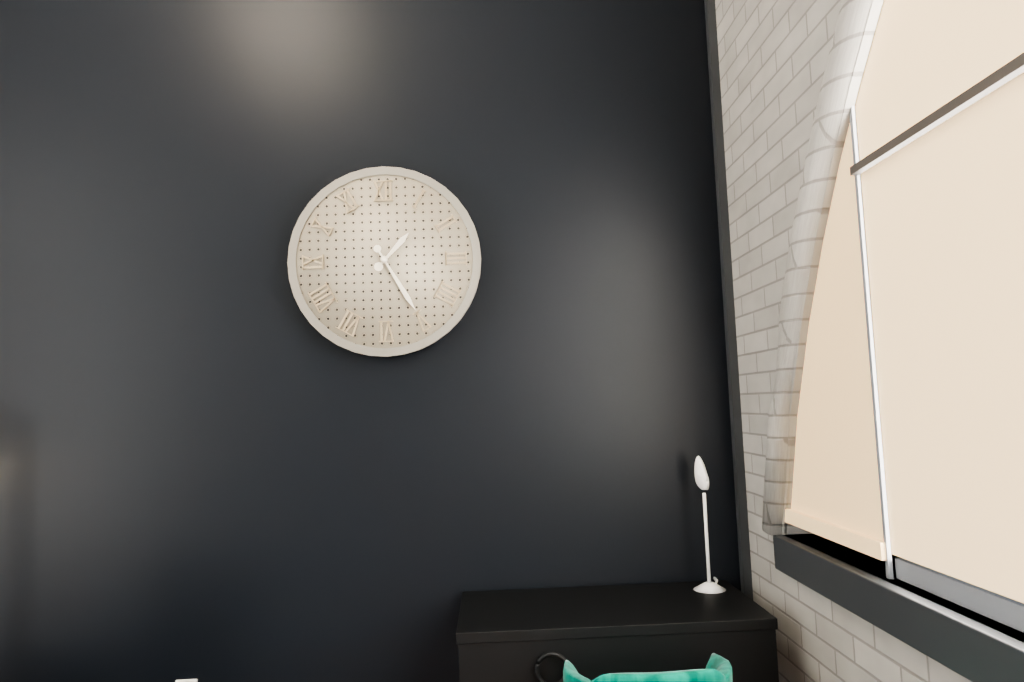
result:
1.25
